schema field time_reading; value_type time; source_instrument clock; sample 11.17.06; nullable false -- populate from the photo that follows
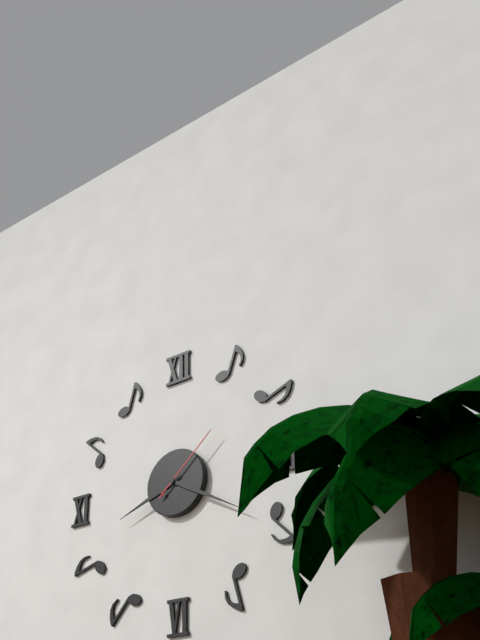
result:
8.20.08
